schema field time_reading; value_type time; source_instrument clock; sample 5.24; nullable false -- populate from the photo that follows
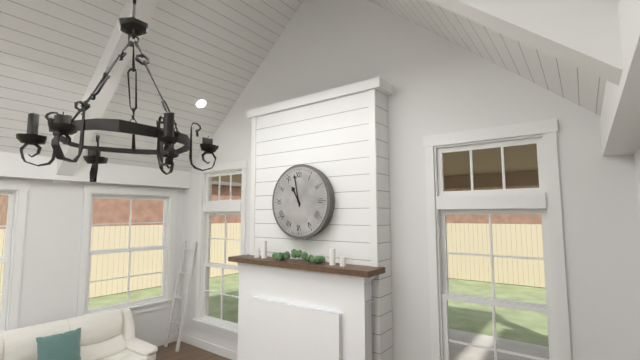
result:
10.58
